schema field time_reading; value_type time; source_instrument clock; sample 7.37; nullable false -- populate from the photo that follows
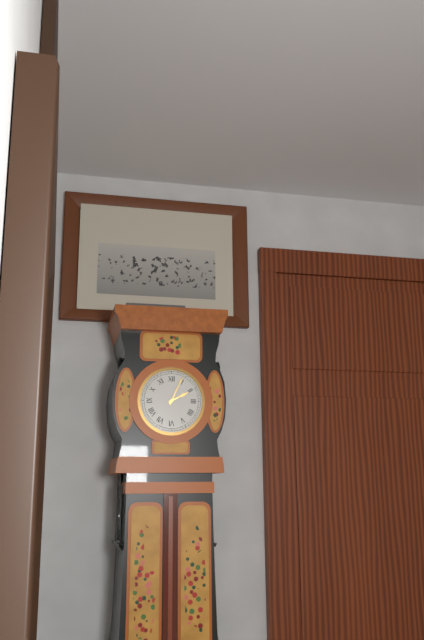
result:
2.04
